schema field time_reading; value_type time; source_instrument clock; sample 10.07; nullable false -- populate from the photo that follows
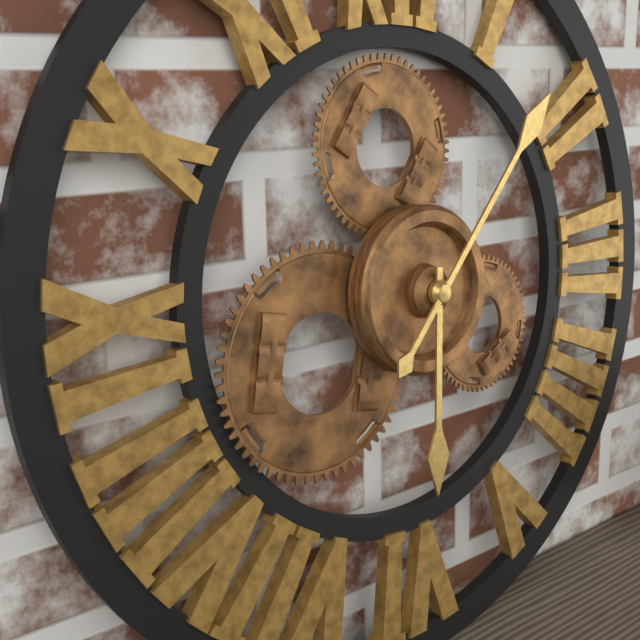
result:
6.07
